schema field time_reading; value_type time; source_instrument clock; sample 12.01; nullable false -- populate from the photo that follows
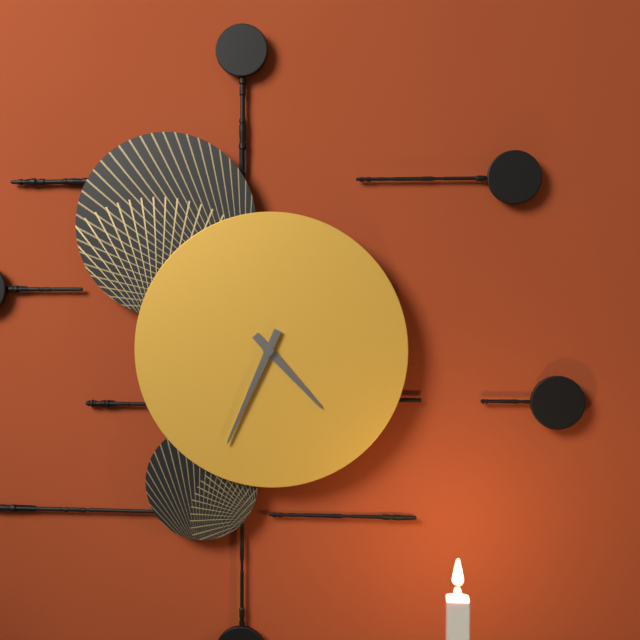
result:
4.34
